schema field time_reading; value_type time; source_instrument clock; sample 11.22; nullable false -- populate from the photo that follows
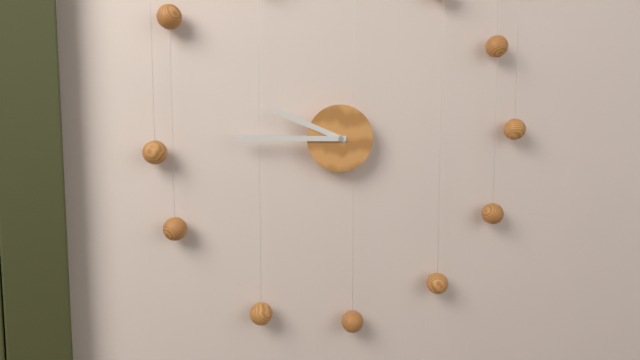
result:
9.45
